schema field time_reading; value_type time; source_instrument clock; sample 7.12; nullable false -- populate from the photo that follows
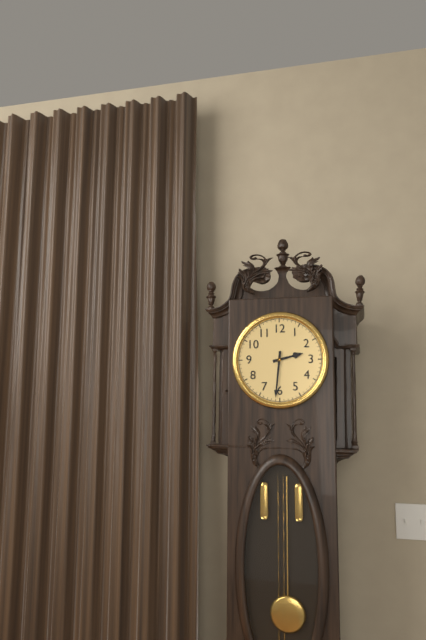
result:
2.31
